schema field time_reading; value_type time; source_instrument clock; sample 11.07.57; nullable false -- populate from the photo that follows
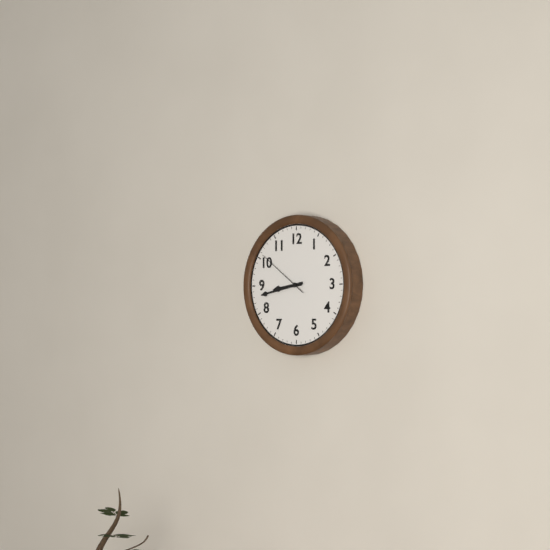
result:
8.43.51
